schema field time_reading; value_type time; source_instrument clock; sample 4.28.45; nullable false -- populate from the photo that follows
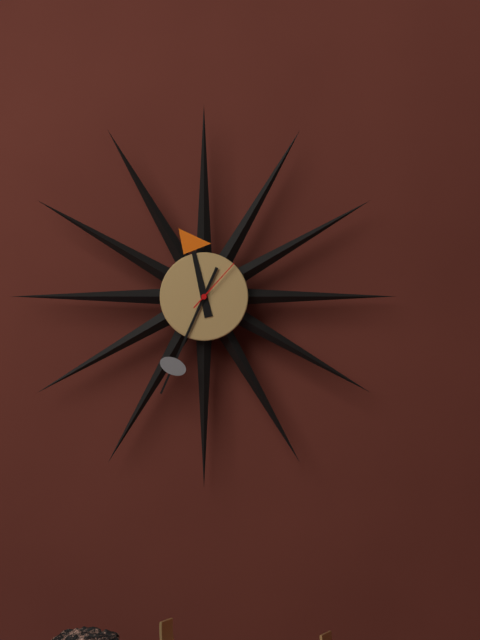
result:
11.34.07
